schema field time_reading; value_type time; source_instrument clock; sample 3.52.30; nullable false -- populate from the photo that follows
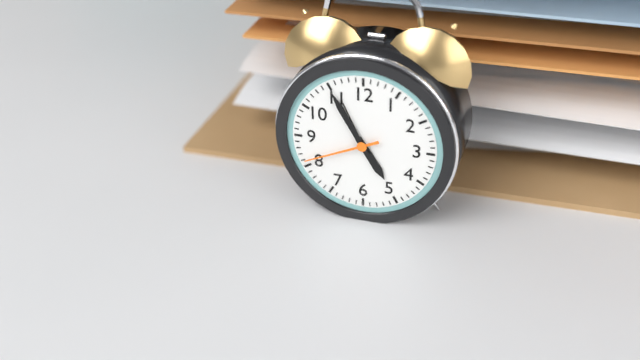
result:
4.55.41
